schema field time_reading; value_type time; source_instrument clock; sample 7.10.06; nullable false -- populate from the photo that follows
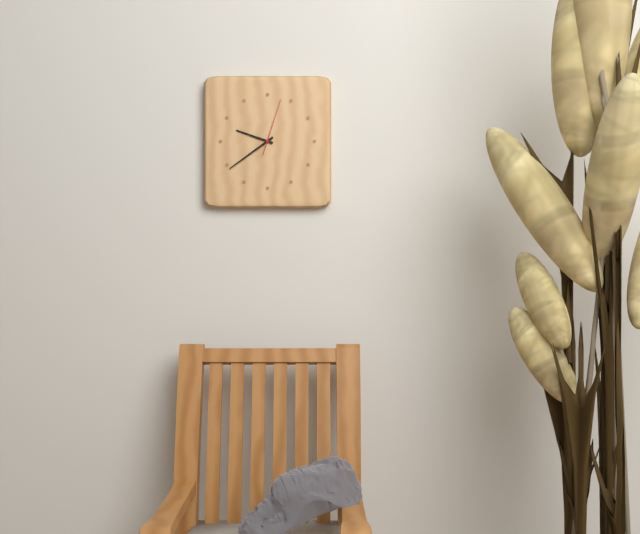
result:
9.39.03
